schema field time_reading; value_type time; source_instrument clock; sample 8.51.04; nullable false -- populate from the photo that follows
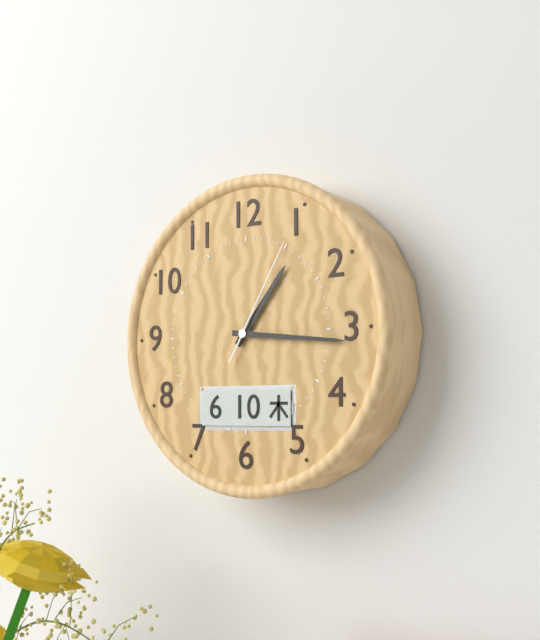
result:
1.16.05
